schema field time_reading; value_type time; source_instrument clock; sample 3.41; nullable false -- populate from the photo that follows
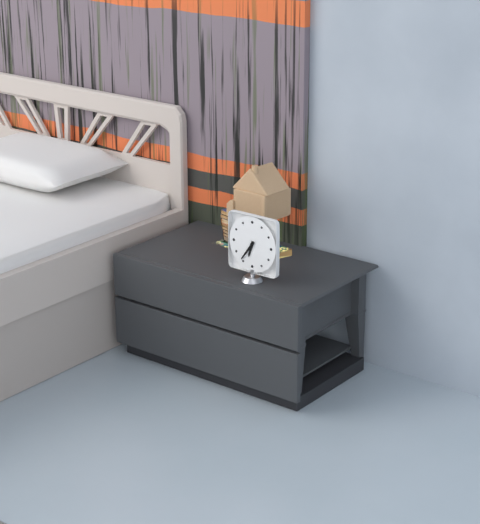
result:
6.36
